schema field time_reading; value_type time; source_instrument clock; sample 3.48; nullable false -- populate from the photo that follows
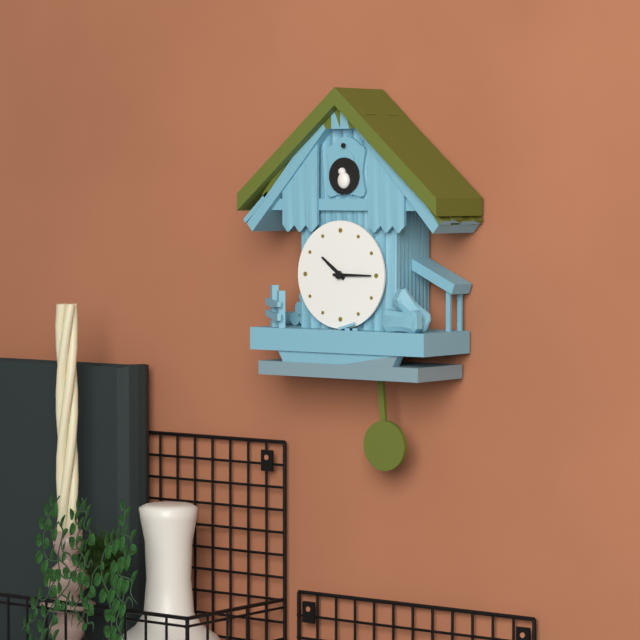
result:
10.15
